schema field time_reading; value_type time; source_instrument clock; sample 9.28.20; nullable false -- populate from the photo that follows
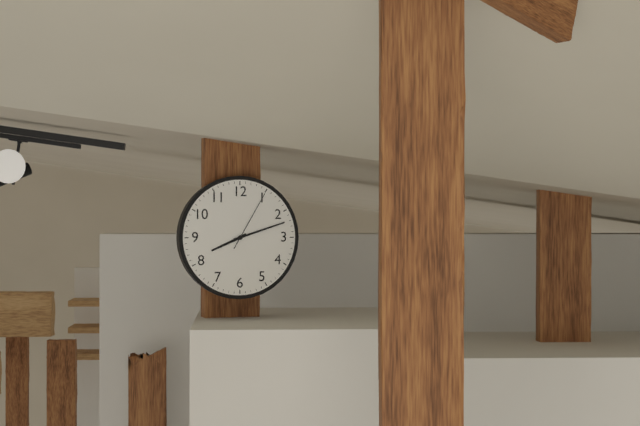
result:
8.12.05
